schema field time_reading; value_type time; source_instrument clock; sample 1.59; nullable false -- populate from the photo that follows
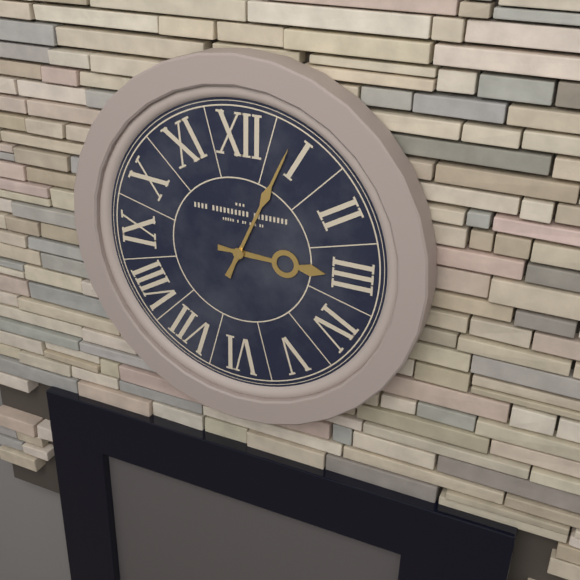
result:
3.04
